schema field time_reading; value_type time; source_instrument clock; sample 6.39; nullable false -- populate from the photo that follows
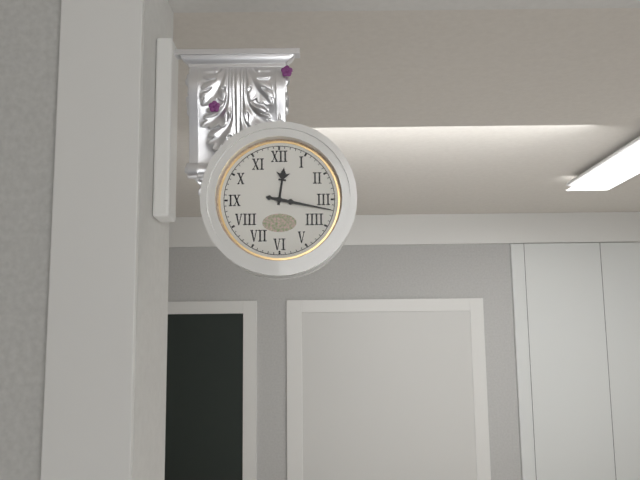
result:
12.17
